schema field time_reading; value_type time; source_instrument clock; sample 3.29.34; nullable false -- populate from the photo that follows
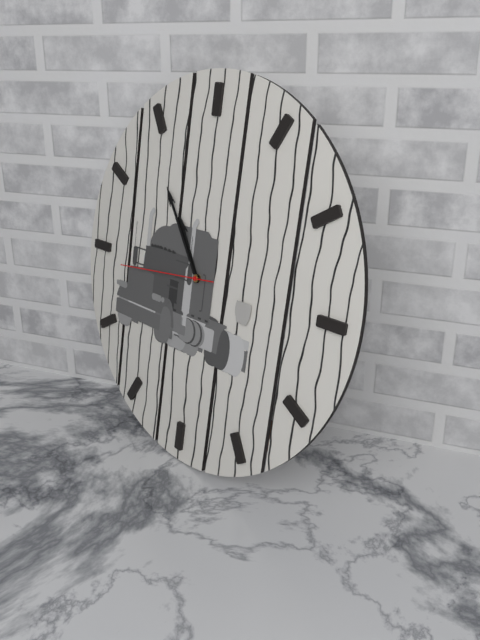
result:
10.54.44
